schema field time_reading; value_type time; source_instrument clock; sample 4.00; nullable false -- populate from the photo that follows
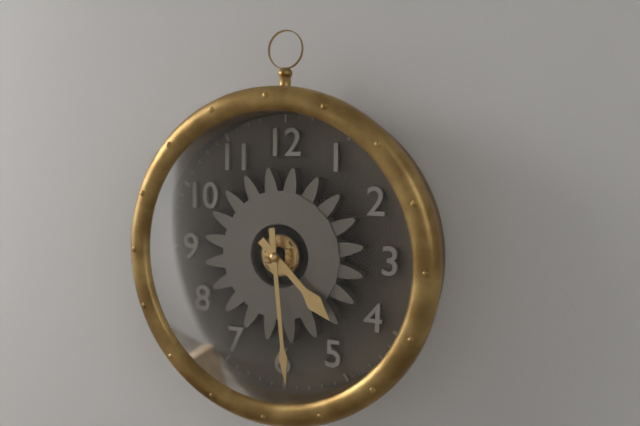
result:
4.29
